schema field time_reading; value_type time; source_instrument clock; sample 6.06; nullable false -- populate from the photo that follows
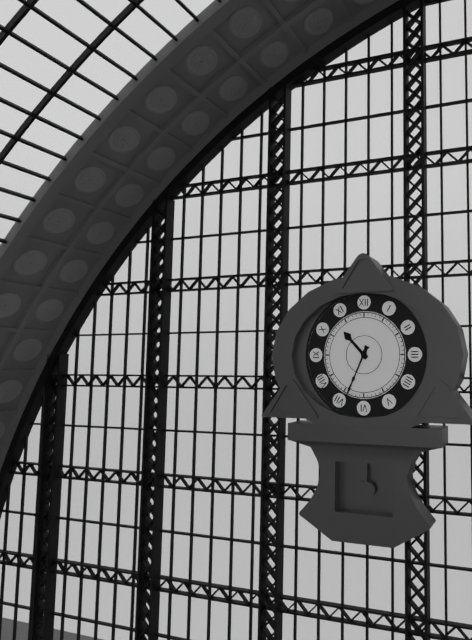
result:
10.34
